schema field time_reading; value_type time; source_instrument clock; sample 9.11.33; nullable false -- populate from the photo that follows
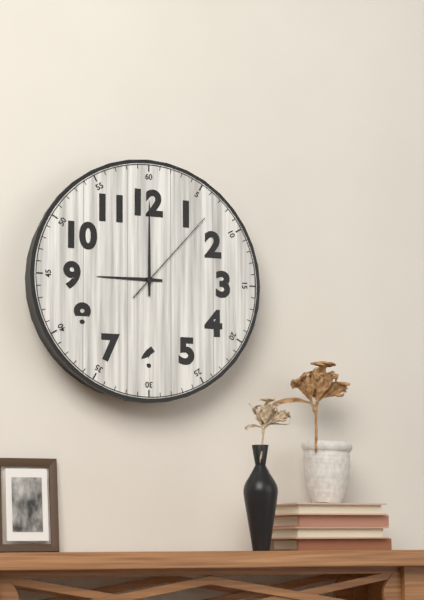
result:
9.00.07
